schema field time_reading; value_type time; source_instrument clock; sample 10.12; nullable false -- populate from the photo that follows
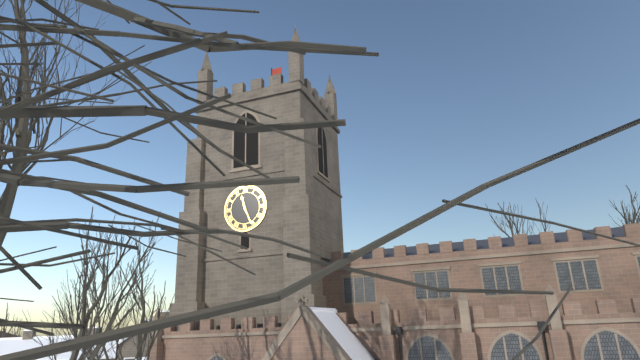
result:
11.26
